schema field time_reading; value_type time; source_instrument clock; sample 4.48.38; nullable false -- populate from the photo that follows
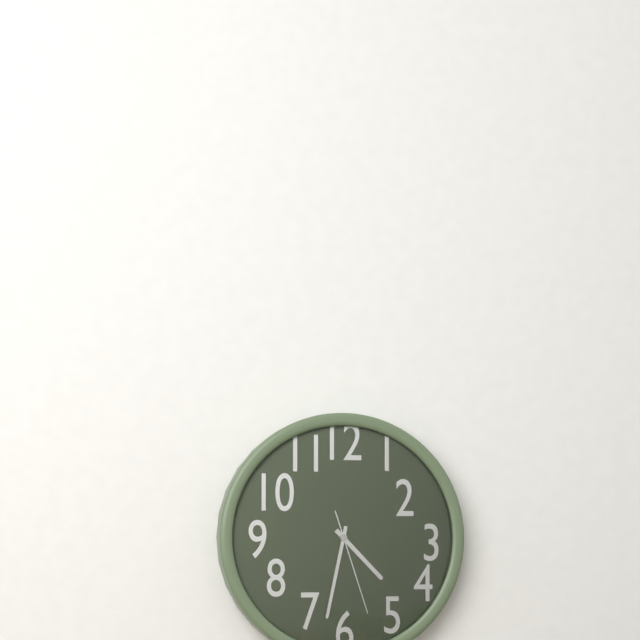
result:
4.32.27
